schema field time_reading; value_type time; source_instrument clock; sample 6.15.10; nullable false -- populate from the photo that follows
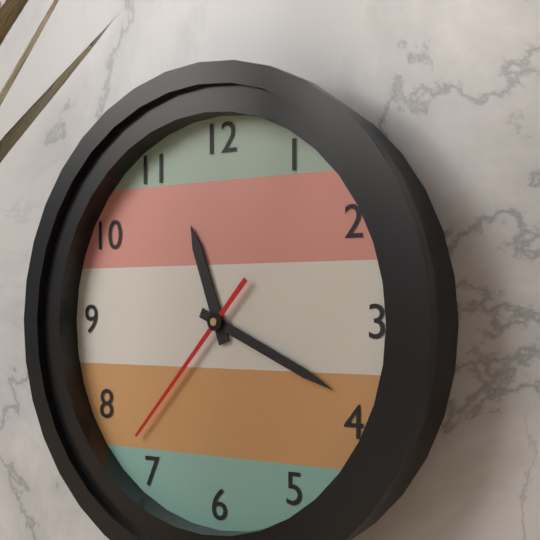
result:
11.19.37
